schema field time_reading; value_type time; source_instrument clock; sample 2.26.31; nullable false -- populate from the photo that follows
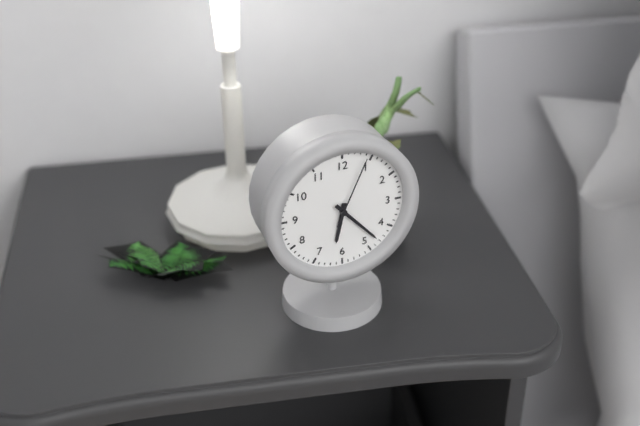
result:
6.23.04
